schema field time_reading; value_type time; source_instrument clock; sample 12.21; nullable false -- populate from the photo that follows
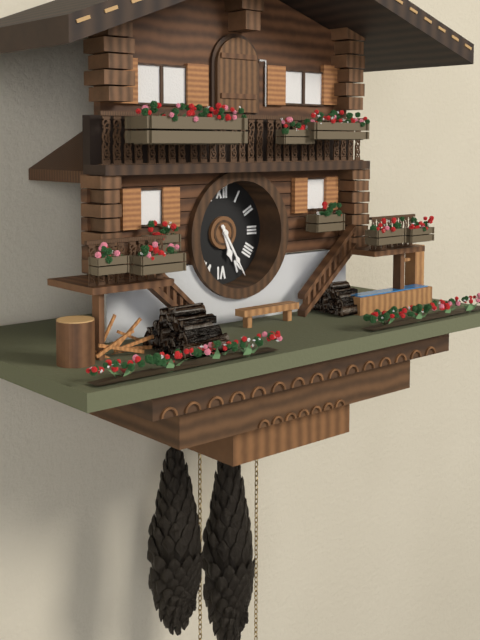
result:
5.25
